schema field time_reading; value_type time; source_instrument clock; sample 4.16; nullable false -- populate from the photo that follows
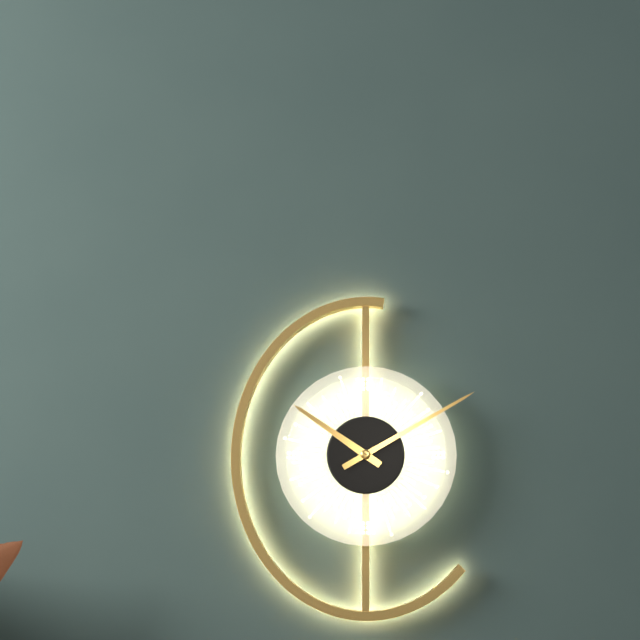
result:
10.10
